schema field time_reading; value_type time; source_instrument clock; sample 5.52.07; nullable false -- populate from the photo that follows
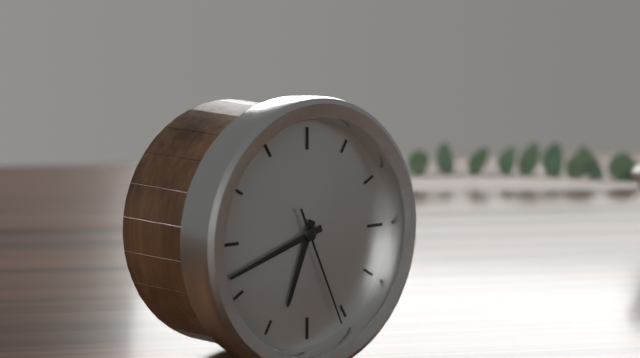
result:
6.42.26
